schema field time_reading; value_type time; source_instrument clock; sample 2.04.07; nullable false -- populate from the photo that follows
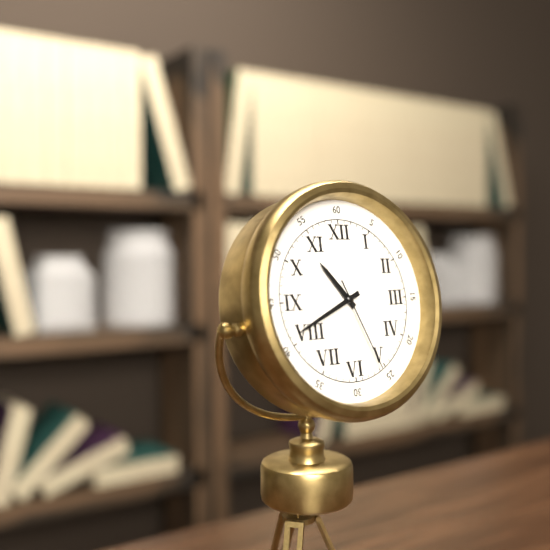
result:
10.41.26
